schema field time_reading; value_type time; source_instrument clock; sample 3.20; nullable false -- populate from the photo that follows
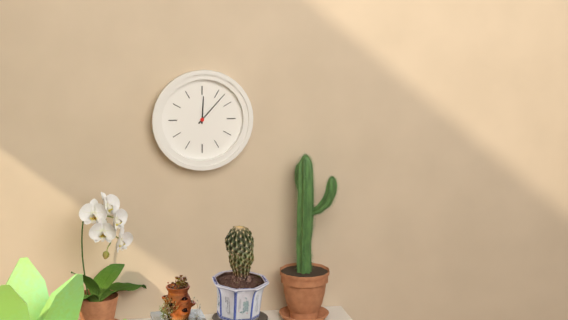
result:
12.07
